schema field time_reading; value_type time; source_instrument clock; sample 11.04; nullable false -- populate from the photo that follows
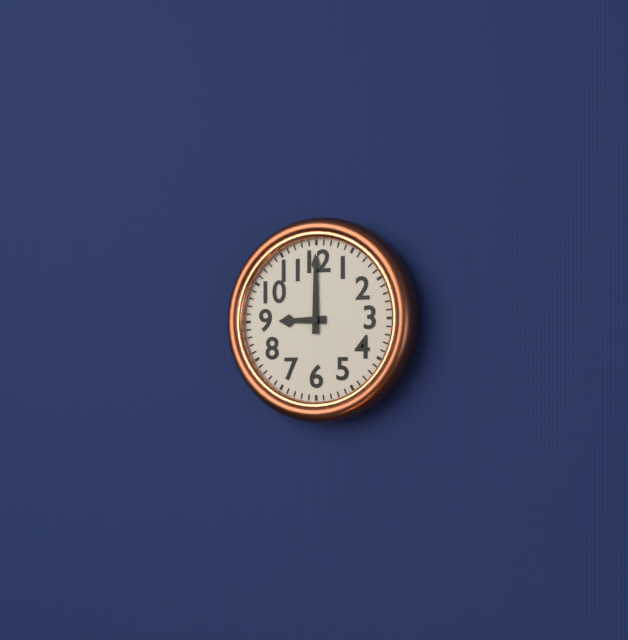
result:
9.00
